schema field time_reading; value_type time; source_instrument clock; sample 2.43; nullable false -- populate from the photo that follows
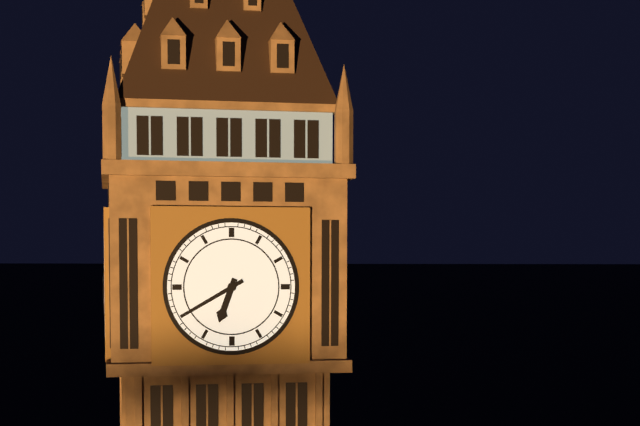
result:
6.40
